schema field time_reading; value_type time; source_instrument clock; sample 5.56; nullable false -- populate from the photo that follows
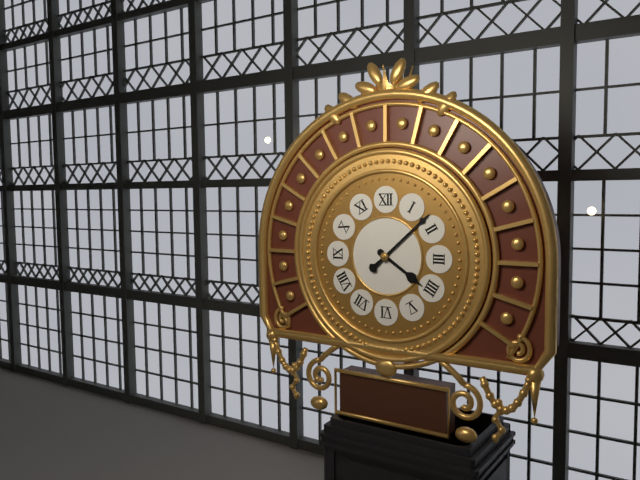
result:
4.08
